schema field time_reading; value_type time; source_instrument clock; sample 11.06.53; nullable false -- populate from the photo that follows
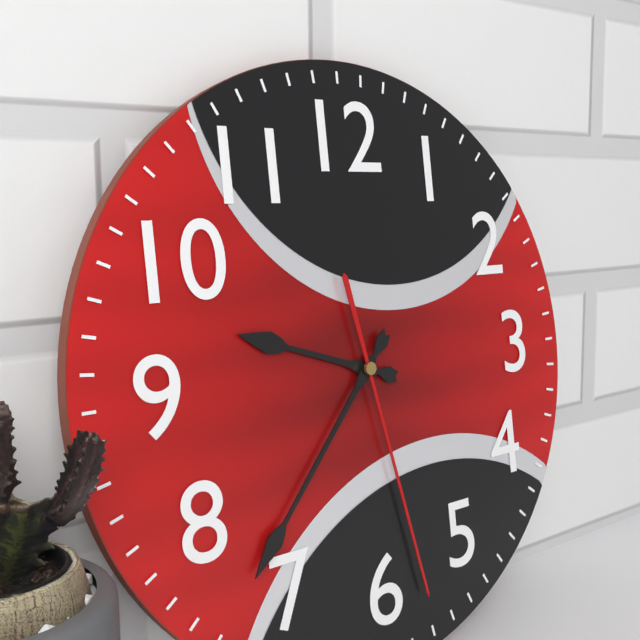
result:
9.37.28
